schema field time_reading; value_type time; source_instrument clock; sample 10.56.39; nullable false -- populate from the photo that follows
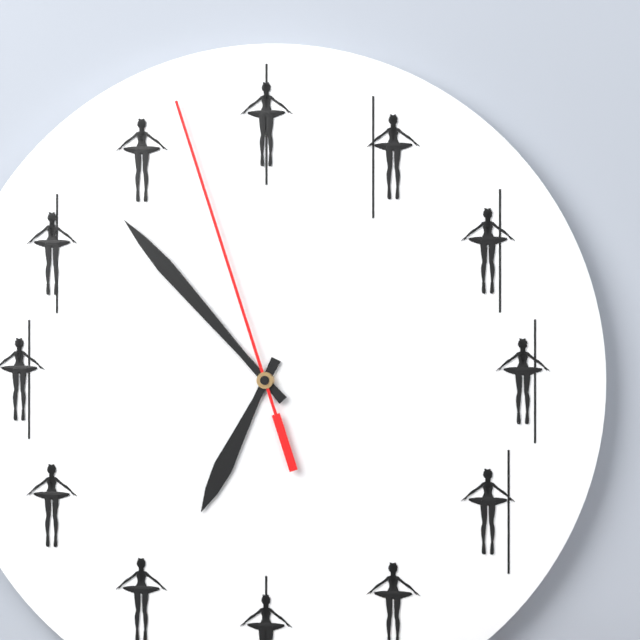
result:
6.53.57
